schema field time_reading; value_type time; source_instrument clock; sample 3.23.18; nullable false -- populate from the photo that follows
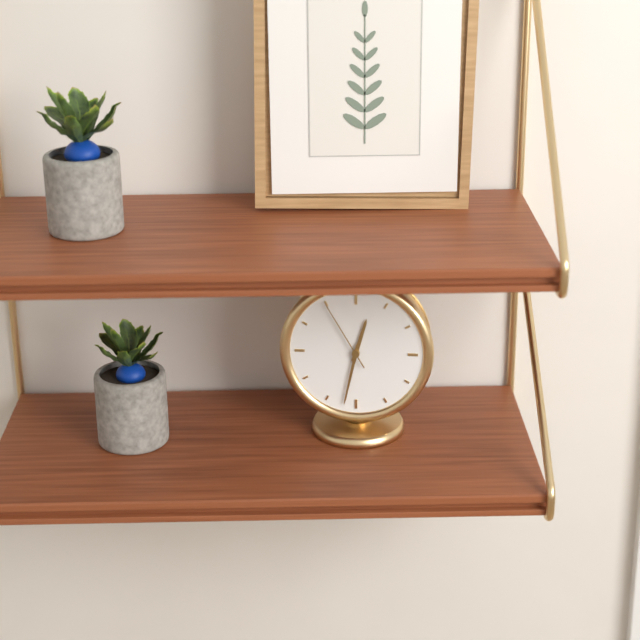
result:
12.32.55
